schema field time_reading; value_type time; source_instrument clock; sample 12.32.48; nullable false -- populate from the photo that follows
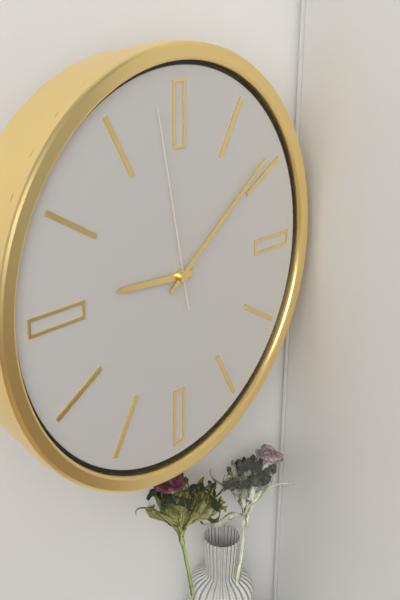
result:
9.09.58
